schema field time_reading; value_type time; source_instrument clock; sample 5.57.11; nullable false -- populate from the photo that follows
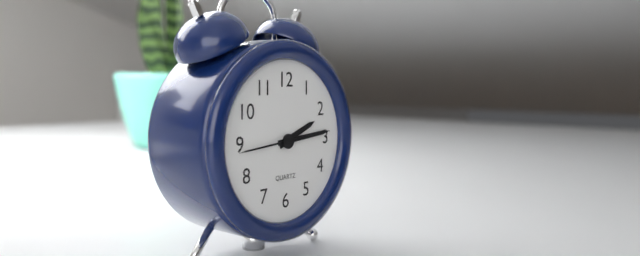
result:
2.14.44
